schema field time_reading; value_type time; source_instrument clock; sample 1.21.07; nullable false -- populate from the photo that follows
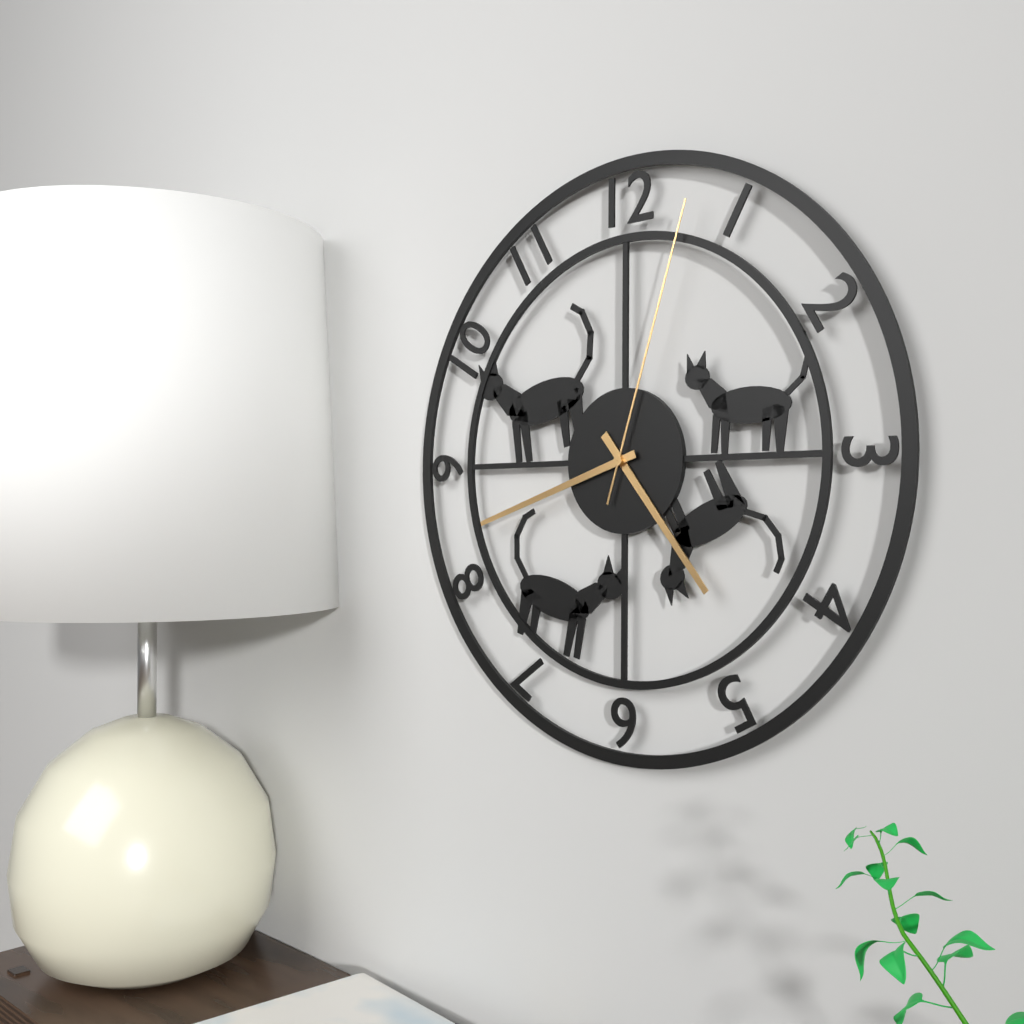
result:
4.42.03
